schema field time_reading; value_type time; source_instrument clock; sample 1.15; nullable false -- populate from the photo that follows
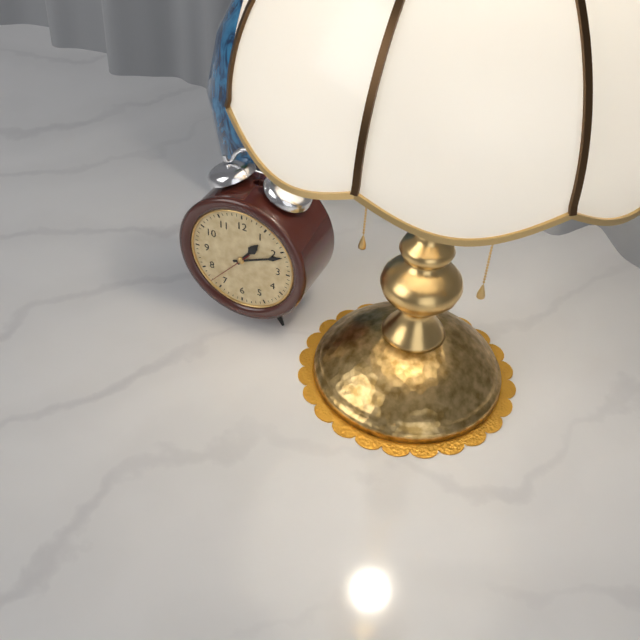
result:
1.11
